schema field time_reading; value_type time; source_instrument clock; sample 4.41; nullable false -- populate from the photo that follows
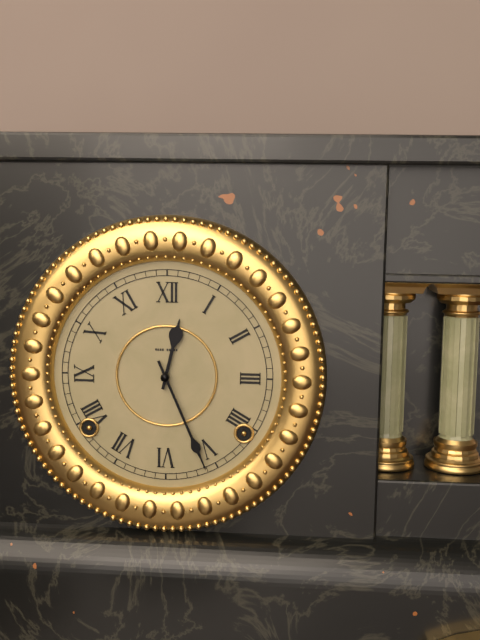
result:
12.26
